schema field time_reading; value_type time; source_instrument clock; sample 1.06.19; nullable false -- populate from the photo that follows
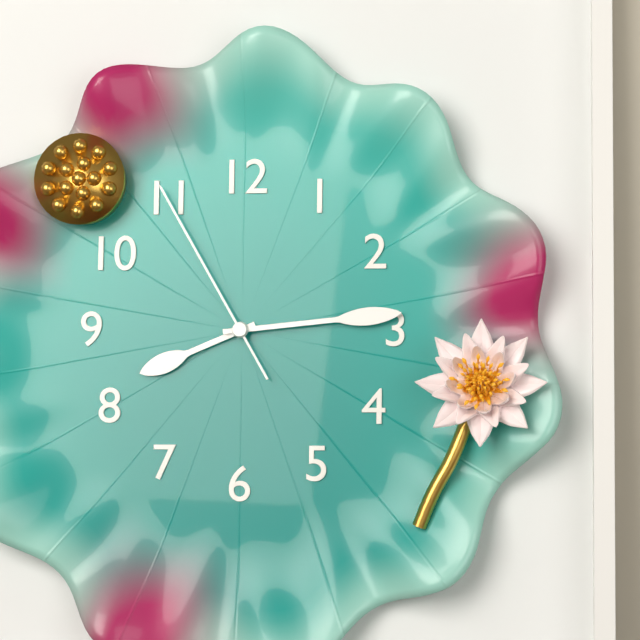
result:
8.14.55
